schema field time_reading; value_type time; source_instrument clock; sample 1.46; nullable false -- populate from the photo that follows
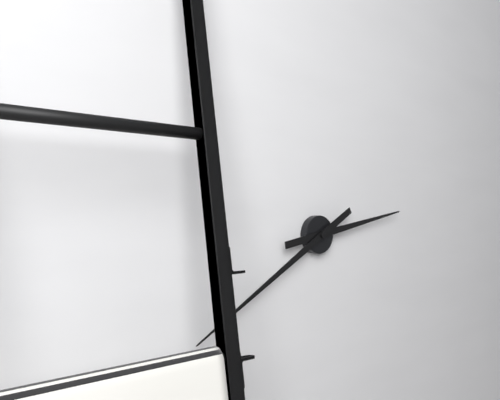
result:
2.40
